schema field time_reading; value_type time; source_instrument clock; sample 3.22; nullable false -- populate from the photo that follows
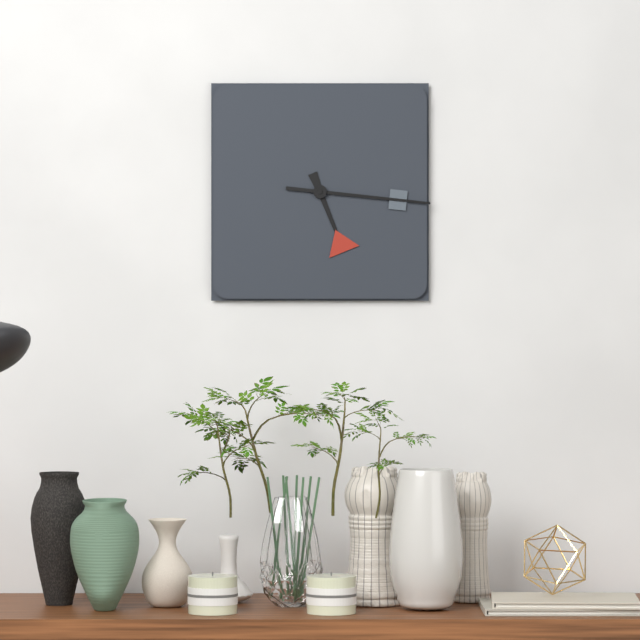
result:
5.16
